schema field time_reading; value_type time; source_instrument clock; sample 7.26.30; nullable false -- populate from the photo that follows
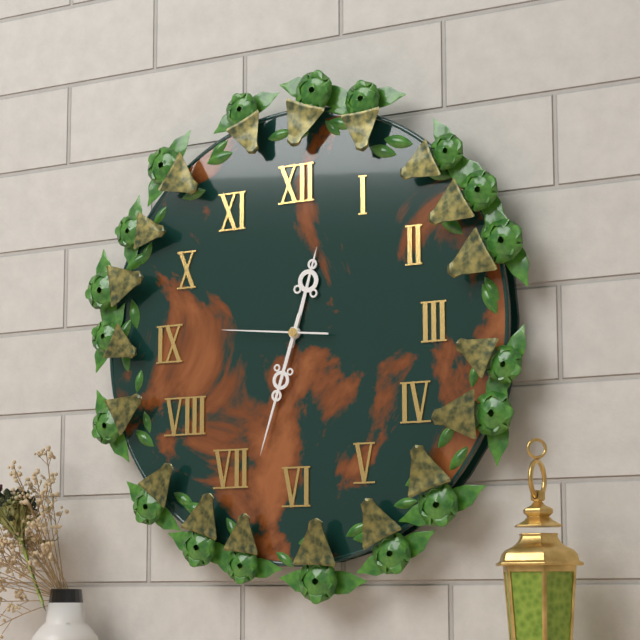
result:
12.33.46
